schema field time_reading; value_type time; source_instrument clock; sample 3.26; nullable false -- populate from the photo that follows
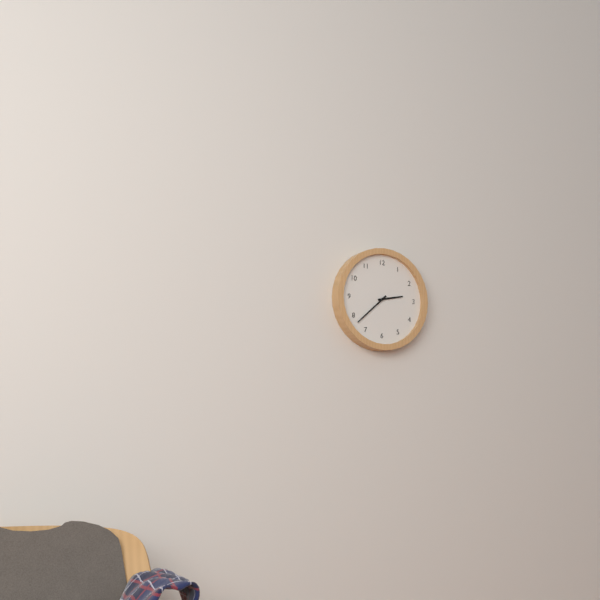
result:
2.38
